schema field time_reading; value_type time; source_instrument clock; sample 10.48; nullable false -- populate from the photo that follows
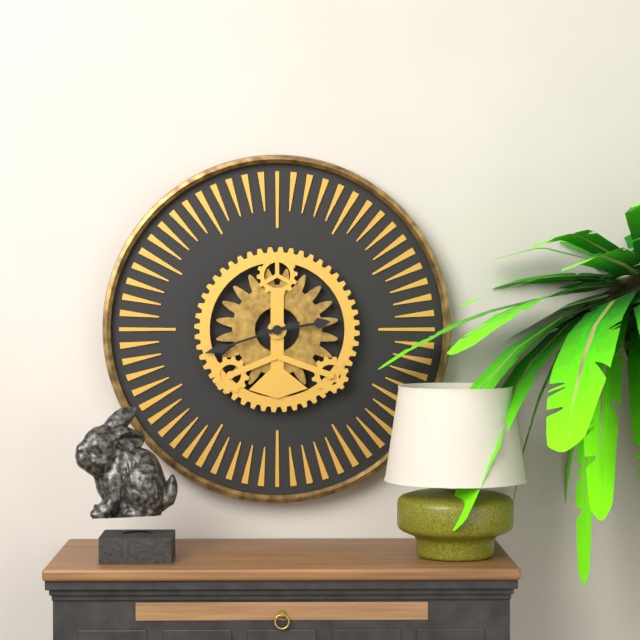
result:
2.42
